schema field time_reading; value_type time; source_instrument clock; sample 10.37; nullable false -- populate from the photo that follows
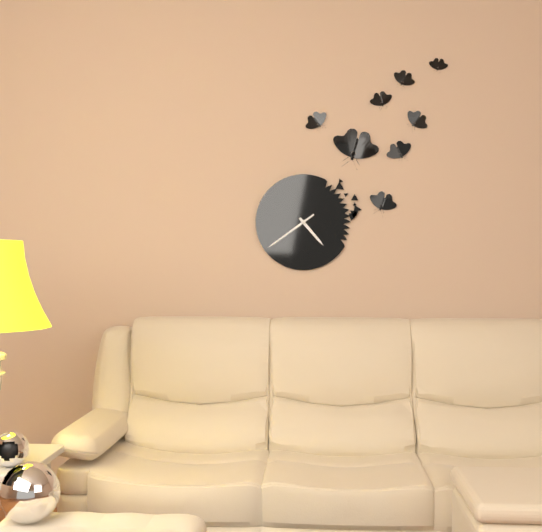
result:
4.39
